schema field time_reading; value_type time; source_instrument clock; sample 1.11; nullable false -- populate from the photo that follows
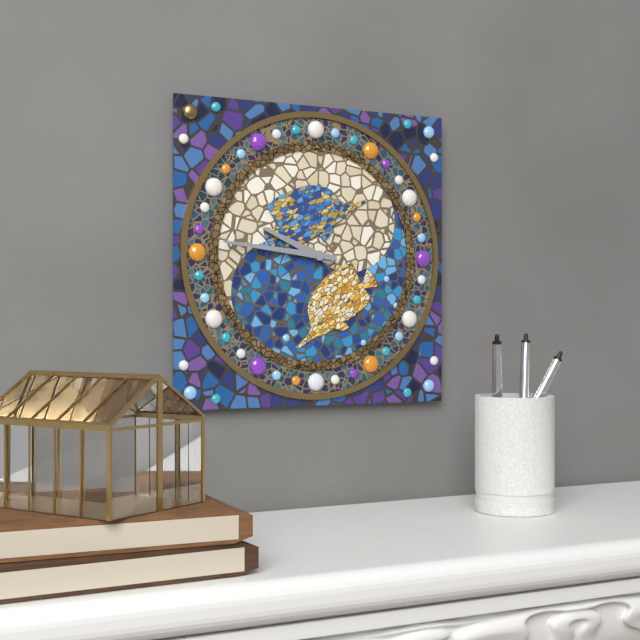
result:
9.46
